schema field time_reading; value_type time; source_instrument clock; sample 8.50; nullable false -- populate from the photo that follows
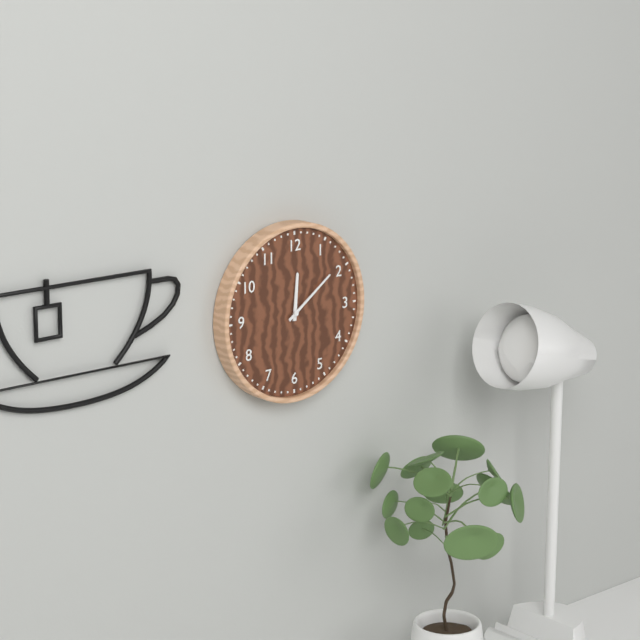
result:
12.09
